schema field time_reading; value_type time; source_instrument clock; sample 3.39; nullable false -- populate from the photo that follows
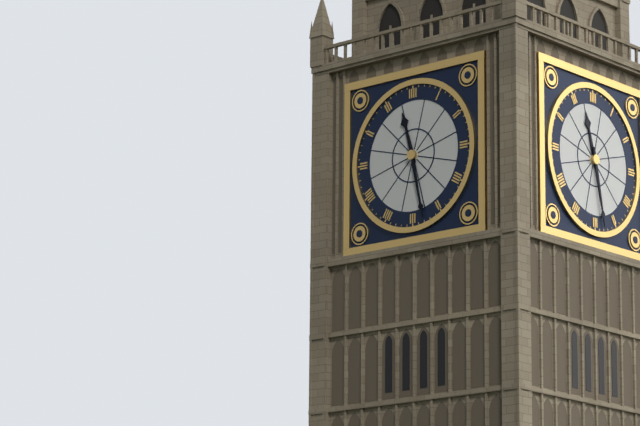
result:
11.28
